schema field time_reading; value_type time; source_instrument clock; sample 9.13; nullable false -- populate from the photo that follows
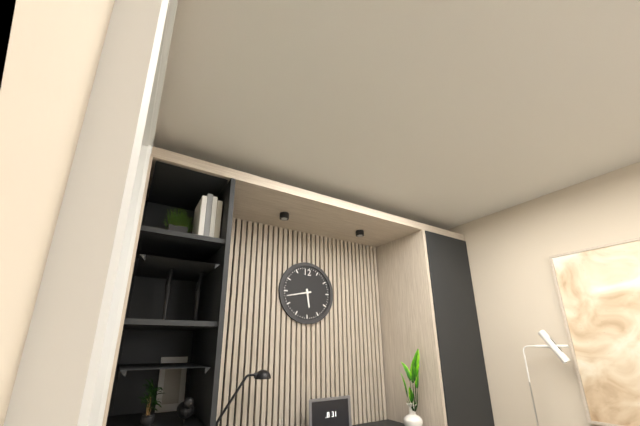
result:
5.43
